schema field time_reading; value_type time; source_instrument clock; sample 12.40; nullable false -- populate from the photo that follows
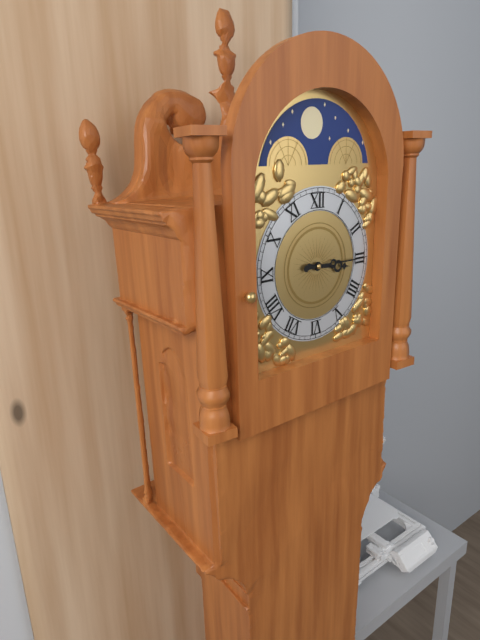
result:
3.15
